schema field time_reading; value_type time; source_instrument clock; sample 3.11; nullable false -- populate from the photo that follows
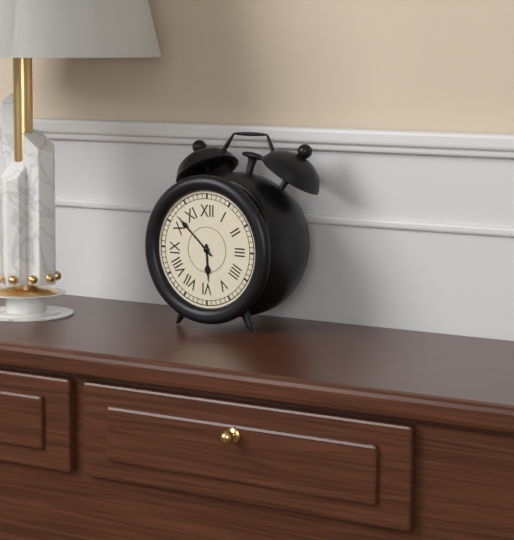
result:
5.52
